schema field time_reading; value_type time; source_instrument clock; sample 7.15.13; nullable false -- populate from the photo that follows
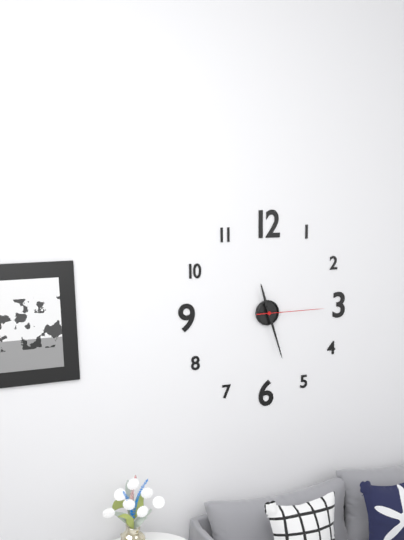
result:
11.27.15
